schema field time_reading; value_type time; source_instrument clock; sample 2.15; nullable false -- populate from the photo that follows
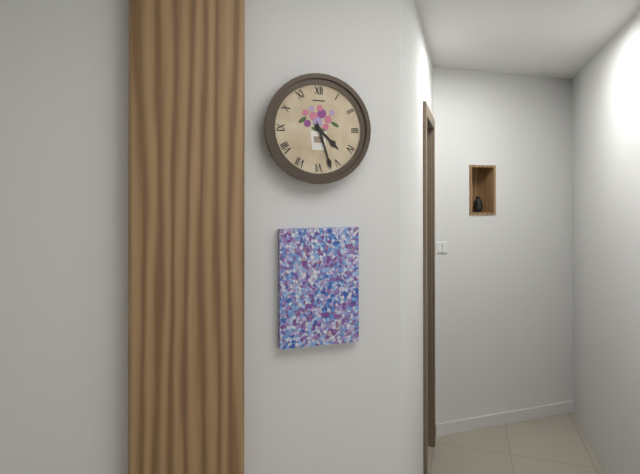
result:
4.27
